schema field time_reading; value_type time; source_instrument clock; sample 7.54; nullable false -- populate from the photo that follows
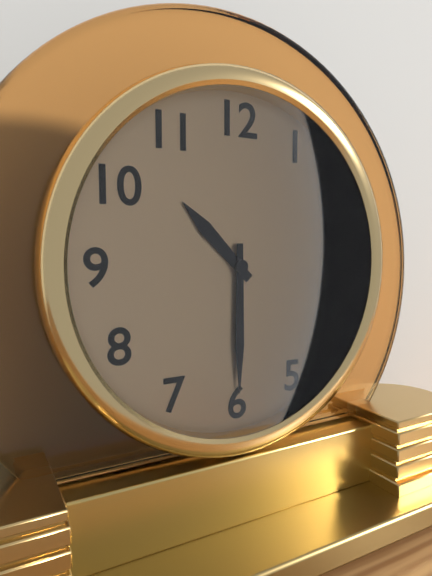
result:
10.30
